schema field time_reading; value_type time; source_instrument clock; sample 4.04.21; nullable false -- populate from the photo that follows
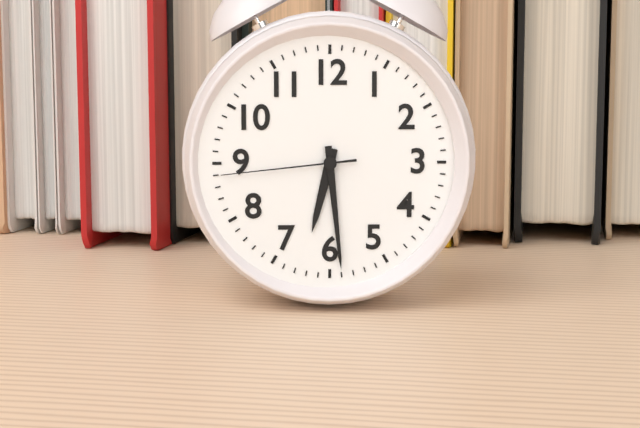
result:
6.29.44
